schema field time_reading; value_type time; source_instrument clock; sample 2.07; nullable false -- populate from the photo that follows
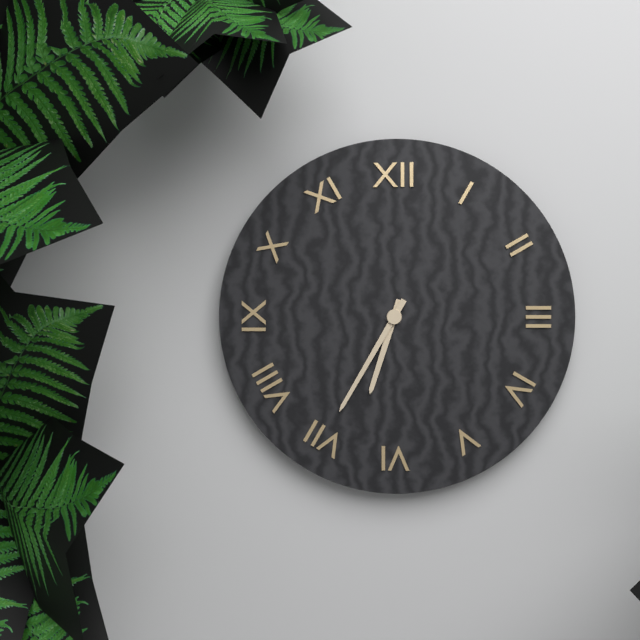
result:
6.35
